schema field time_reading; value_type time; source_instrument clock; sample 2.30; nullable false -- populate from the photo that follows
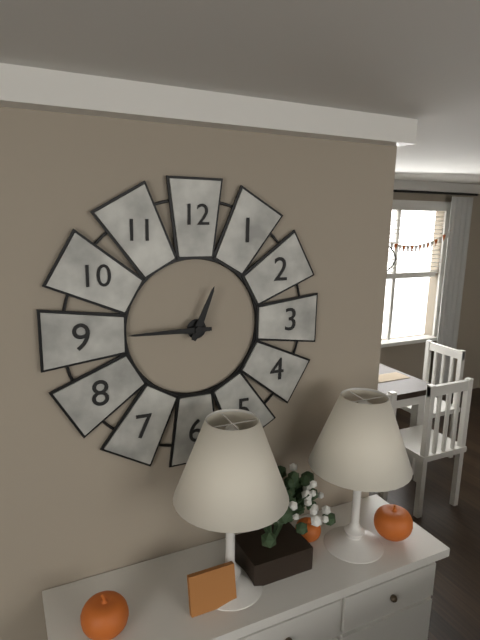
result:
12.45
